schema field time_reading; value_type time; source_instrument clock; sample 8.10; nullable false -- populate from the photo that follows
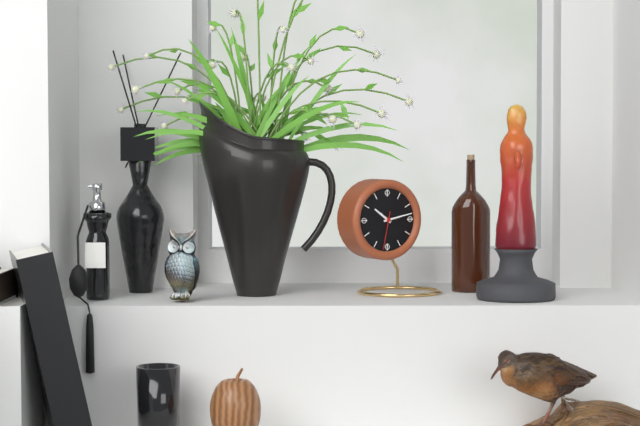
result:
10.13
